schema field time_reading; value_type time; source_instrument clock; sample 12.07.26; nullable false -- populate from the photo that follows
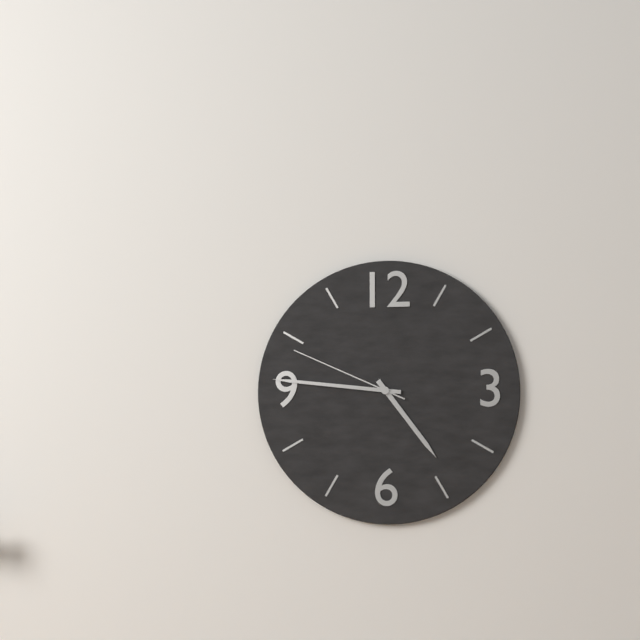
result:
4.46.49
